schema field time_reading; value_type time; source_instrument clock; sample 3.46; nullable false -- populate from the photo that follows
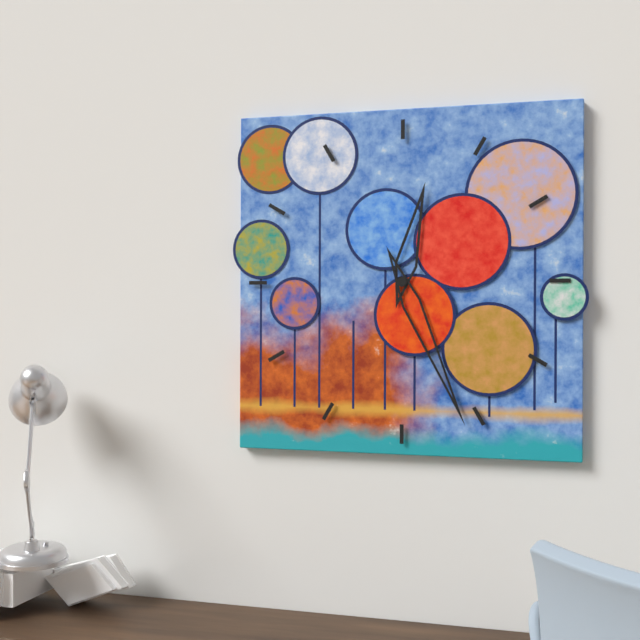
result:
12.26
